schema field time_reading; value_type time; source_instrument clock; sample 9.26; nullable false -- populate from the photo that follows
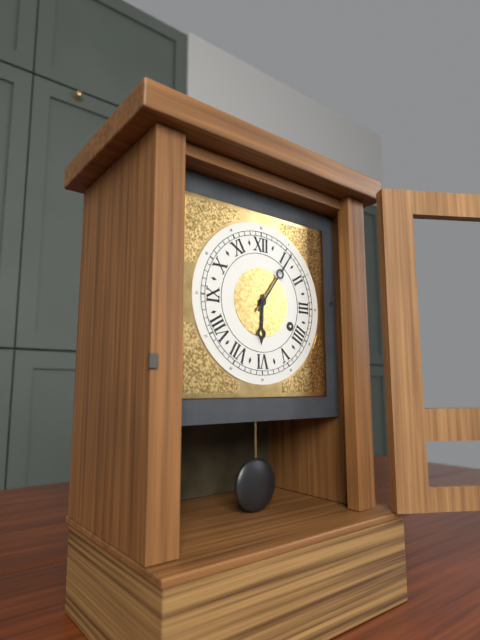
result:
6.06
